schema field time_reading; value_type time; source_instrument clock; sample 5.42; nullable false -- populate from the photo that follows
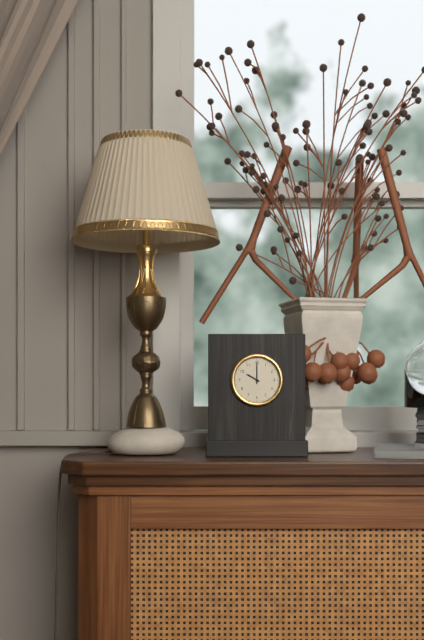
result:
10.00
